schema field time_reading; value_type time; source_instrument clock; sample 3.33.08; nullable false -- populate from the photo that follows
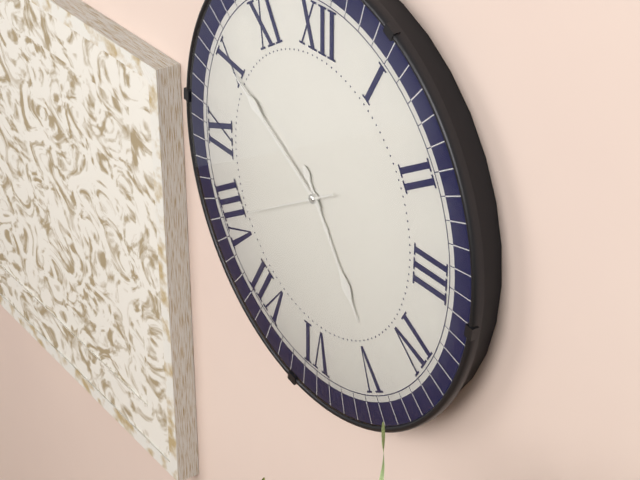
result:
4.50.40
